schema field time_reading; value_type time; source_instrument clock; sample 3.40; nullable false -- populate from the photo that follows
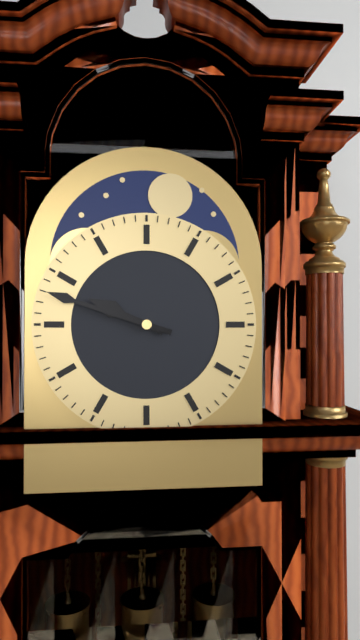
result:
9.48
